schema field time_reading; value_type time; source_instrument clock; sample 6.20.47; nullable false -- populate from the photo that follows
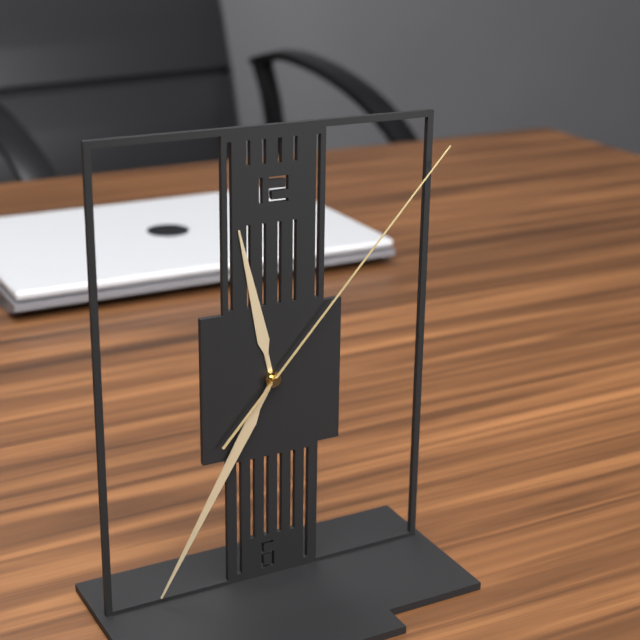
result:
11.35.07
